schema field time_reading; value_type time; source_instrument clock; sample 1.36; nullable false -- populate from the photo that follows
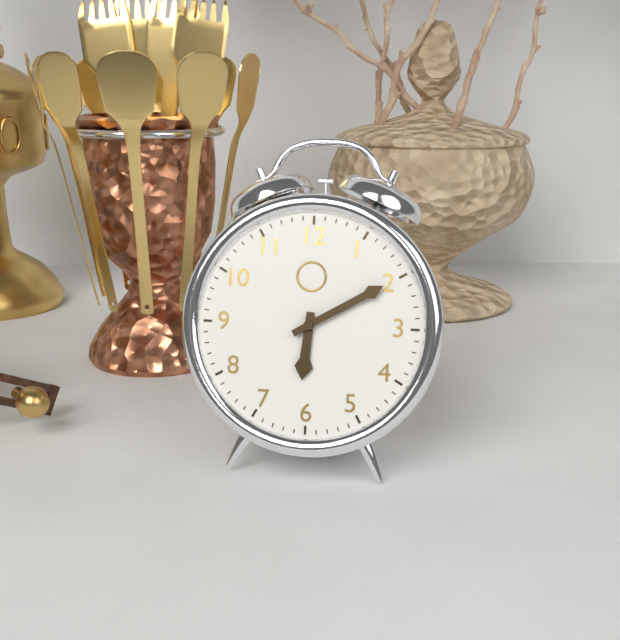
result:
6.10
